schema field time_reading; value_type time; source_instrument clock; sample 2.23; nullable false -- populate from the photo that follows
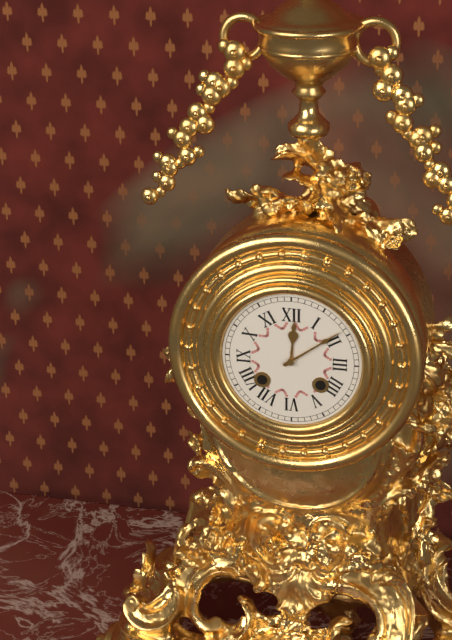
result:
12.09
